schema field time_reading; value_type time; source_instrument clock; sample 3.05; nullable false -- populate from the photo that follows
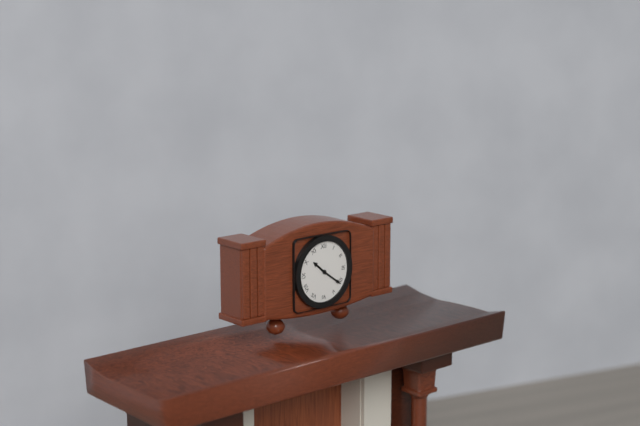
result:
10.21
